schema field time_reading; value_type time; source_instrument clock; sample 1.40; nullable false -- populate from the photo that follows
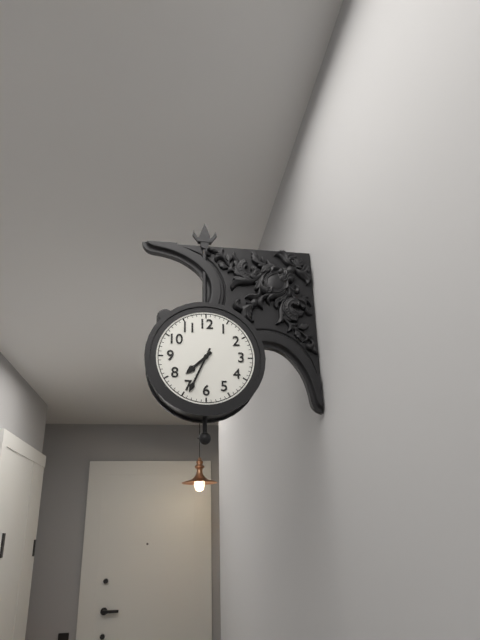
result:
7.34
